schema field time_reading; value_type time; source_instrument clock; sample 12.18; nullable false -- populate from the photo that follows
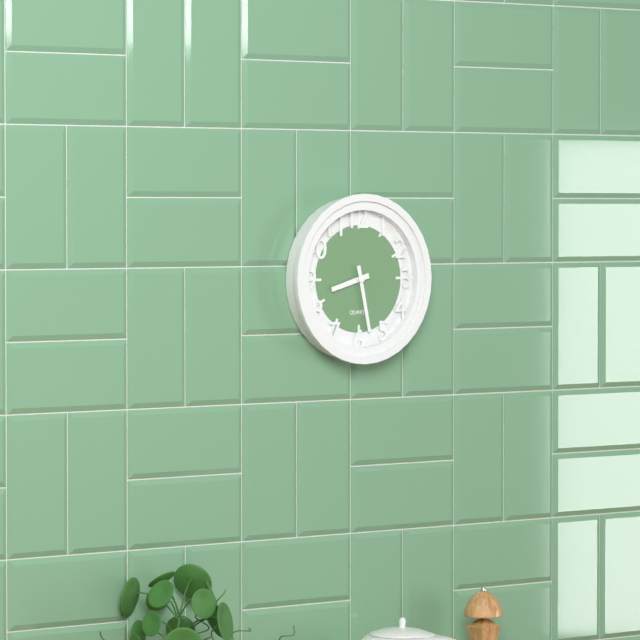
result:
8.28
